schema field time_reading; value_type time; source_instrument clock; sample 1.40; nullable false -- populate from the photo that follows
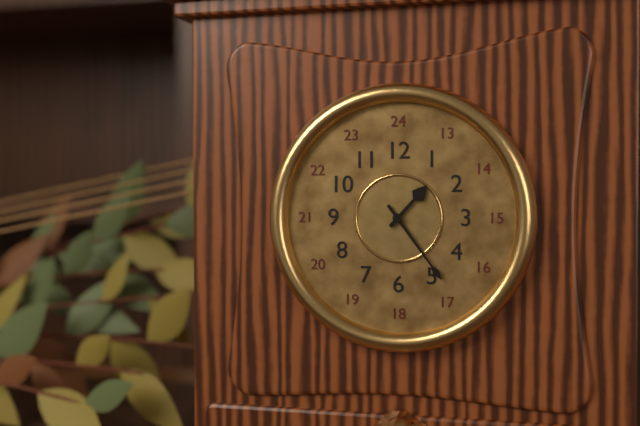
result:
1.24
